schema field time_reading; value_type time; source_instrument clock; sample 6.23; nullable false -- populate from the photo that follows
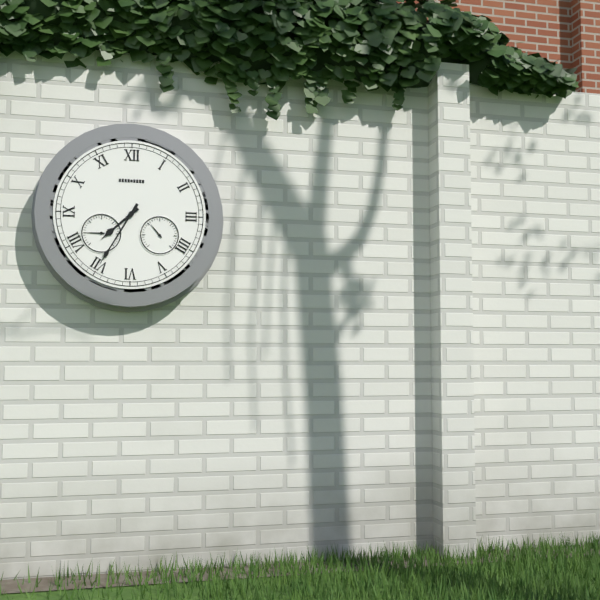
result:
7.35
